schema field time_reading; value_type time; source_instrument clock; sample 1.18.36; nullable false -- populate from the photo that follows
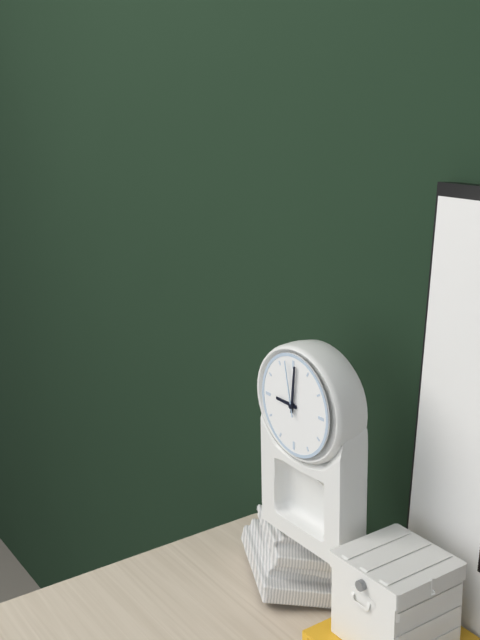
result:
9.01.58
